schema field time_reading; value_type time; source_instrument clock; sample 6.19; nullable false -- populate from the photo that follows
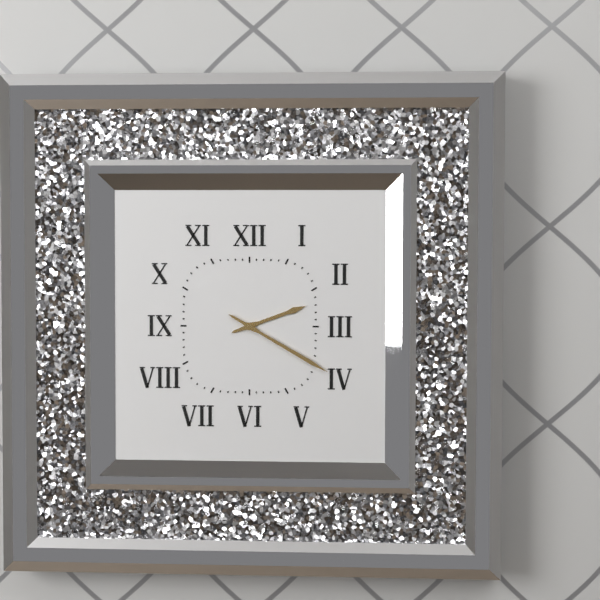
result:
2.20
